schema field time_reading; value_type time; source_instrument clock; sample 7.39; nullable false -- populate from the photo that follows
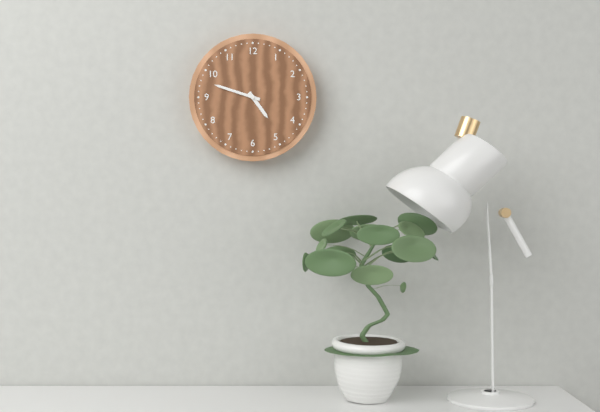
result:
4.48
